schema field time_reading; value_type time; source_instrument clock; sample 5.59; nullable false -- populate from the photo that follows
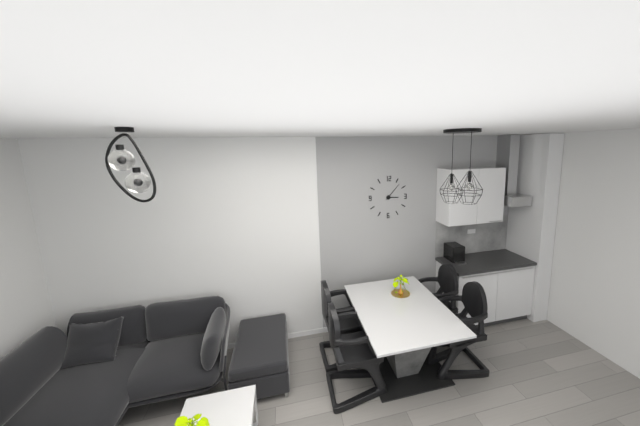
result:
3.07
